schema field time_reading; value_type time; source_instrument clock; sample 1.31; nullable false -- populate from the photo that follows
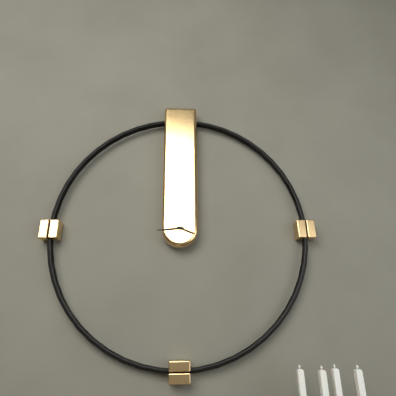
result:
3.44
